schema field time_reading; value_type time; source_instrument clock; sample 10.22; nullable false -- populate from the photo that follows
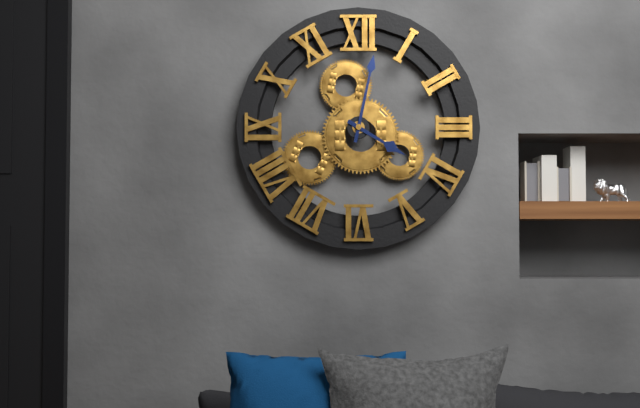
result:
4.02
